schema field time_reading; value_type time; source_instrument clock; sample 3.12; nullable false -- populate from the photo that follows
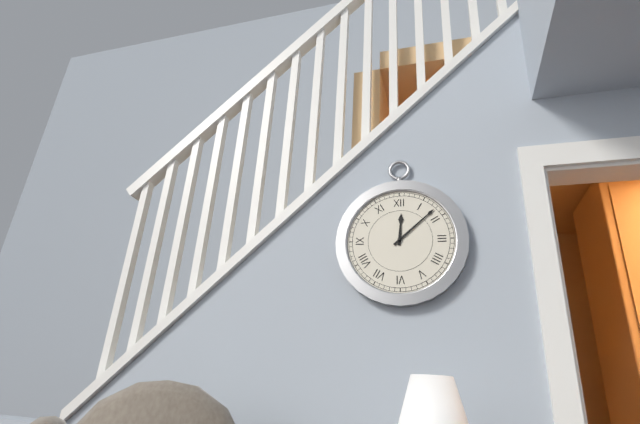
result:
12.08
